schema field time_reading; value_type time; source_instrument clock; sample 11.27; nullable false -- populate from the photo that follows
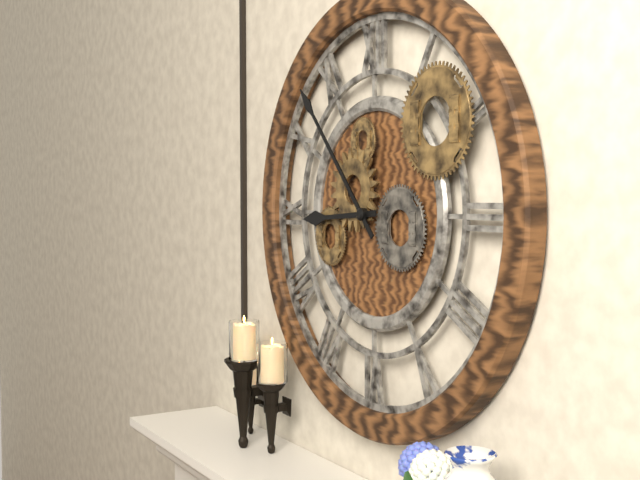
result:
8.53
